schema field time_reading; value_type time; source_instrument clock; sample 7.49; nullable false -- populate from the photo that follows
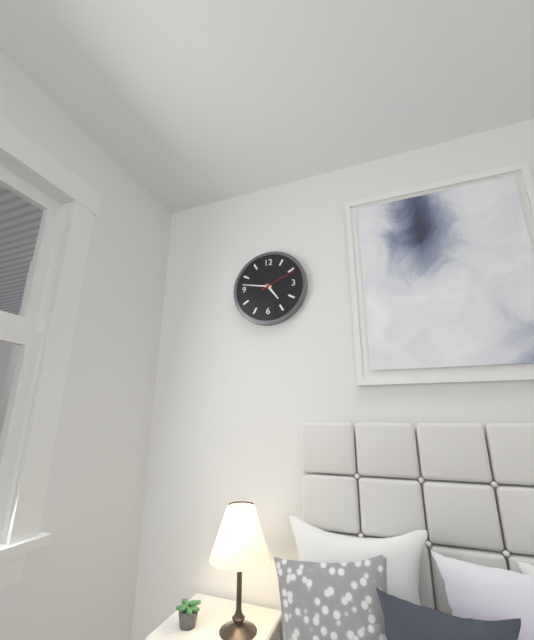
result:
4.47
